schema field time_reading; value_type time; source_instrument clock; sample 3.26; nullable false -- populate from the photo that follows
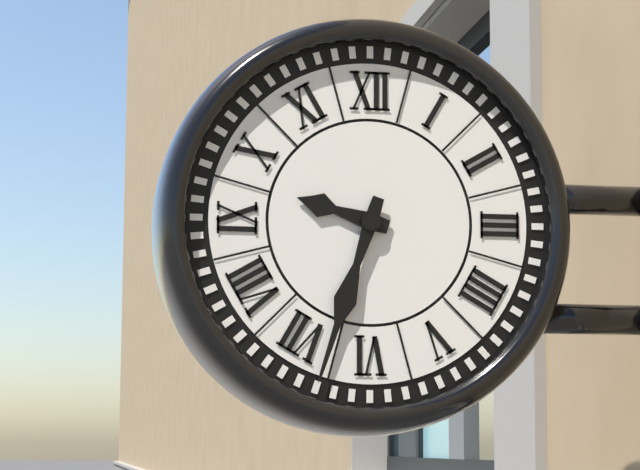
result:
9.33
